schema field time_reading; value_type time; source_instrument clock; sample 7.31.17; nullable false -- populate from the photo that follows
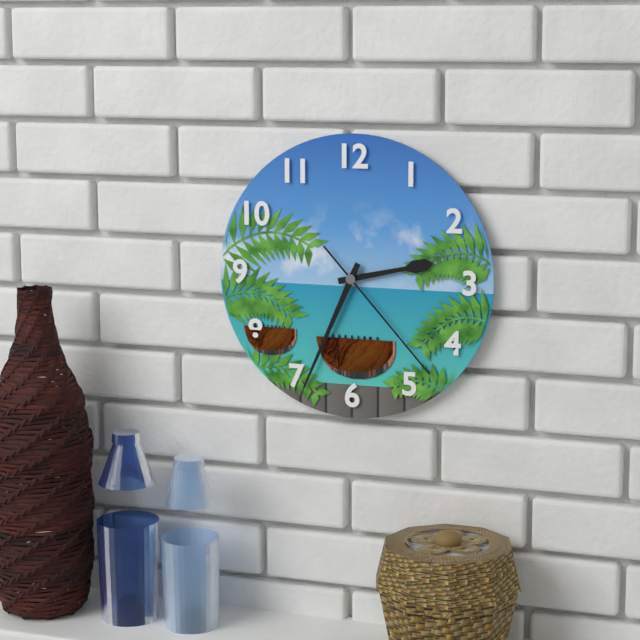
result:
2.34.23
